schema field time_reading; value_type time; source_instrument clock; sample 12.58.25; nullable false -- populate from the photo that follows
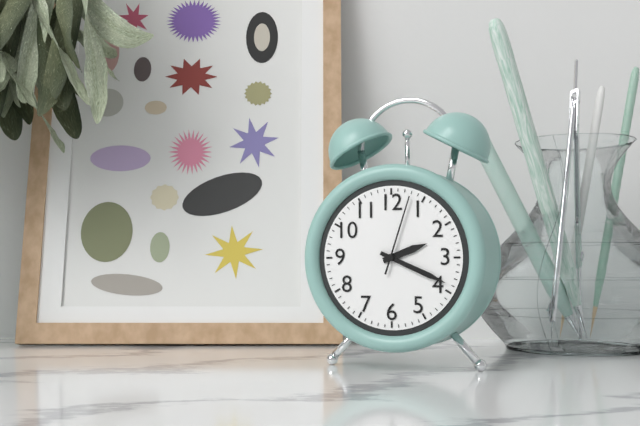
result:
2.19.03
